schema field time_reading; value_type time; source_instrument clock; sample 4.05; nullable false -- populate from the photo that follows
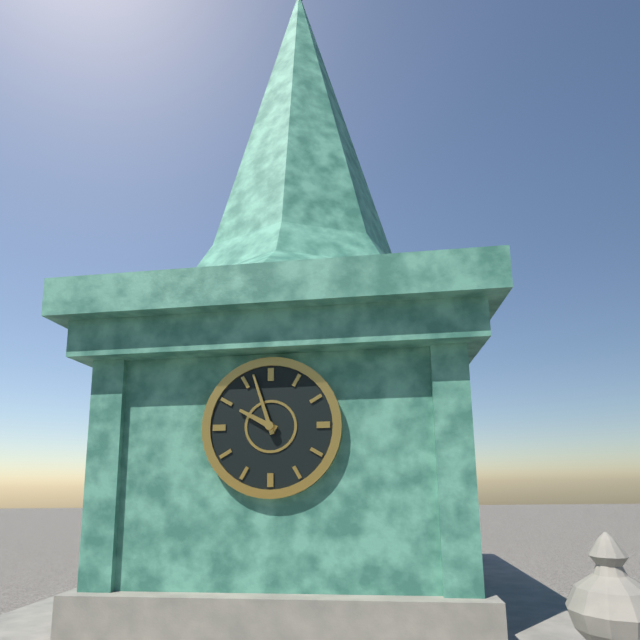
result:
9.57
